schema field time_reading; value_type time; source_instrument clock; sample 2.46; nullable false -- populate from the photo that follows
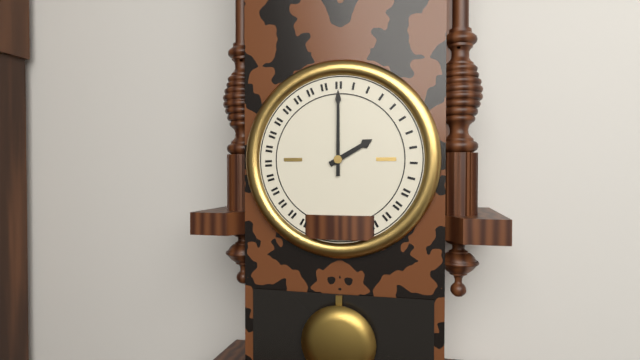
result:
2.00
